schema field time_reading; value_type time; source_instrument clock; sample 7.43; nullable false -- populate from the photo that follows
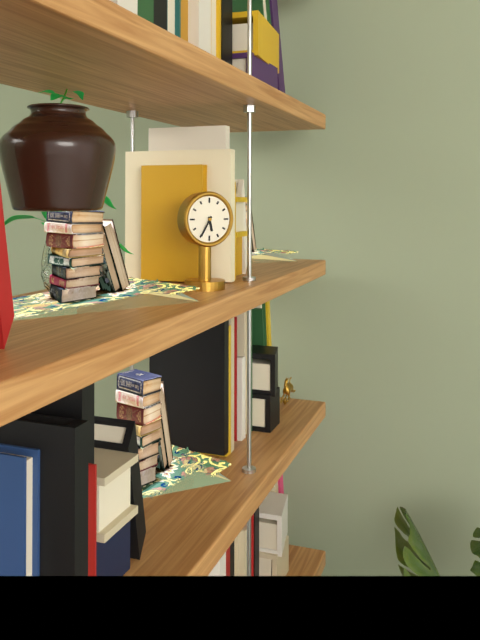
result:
5.35
